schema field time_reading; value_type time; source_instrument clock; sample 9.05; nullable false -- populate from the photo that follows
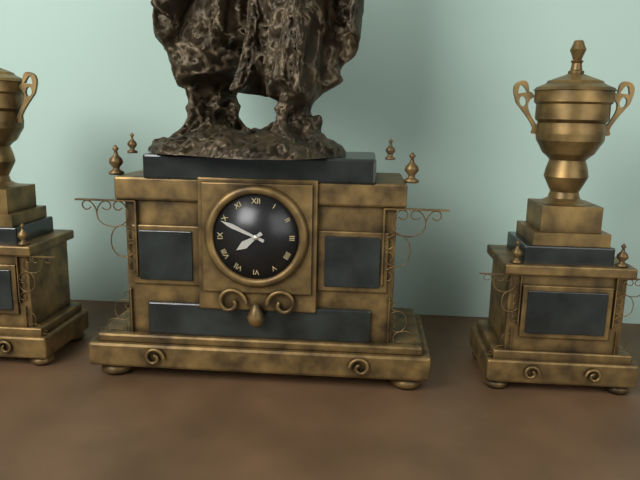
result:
7.49
